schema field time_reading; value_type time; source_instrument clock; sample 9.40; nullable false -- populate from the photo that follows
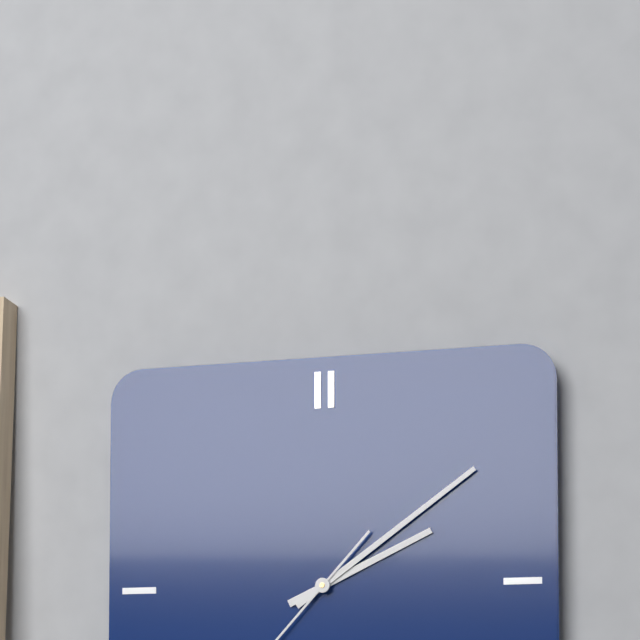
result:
2.09
